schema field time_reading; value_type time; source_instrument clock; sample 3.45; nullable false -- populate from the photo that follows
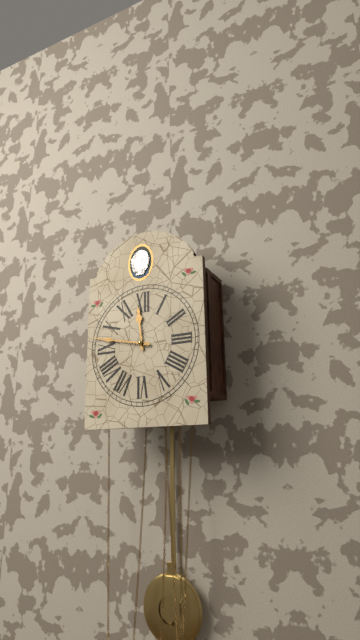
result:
11.47
